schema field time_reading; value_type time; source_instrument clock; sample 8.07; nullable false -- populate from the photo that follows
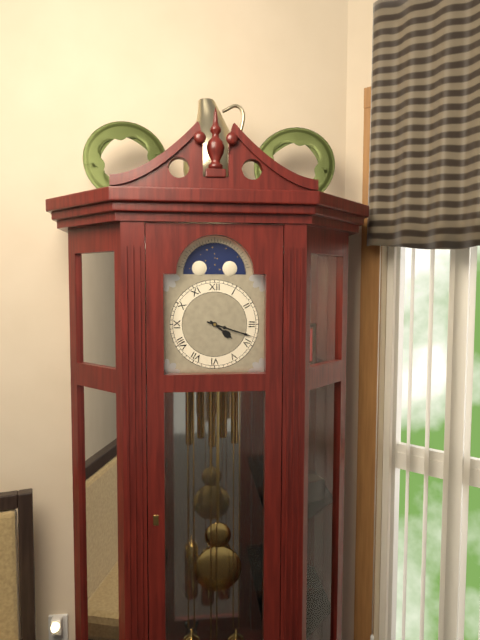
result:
4.18
